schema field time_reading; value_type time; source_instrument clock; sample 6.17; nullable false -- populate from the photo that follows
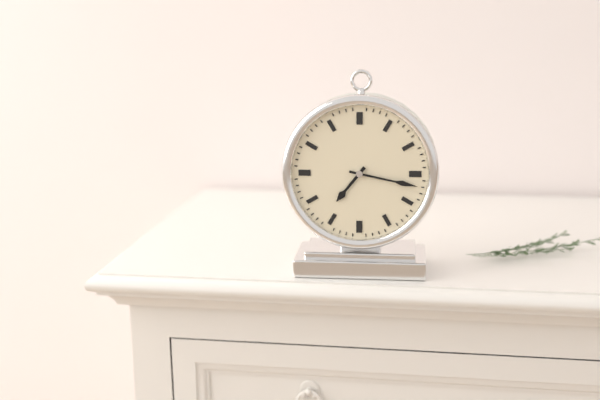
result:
7.17
